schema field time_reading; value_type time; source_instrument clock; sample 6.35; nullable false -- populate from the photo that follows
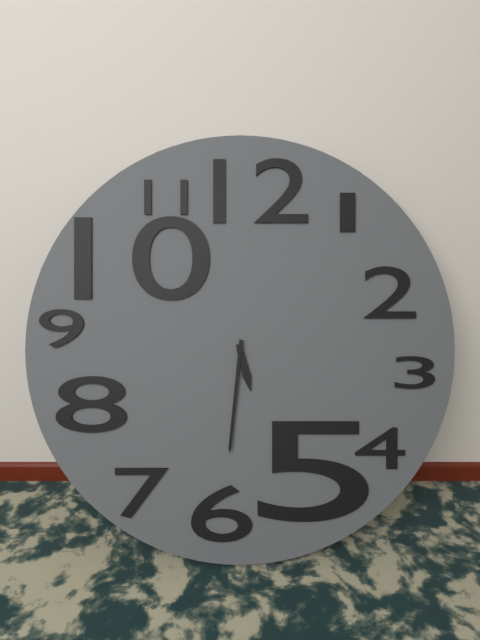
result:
5.31
